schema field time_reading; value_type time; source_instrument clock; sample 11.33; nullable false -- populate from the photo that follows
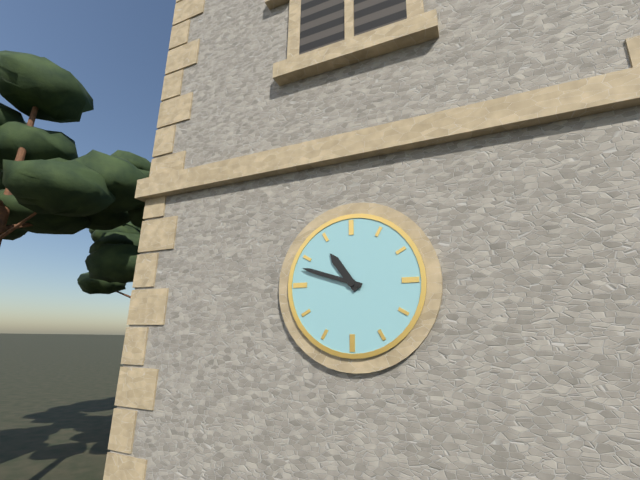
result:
10.48
